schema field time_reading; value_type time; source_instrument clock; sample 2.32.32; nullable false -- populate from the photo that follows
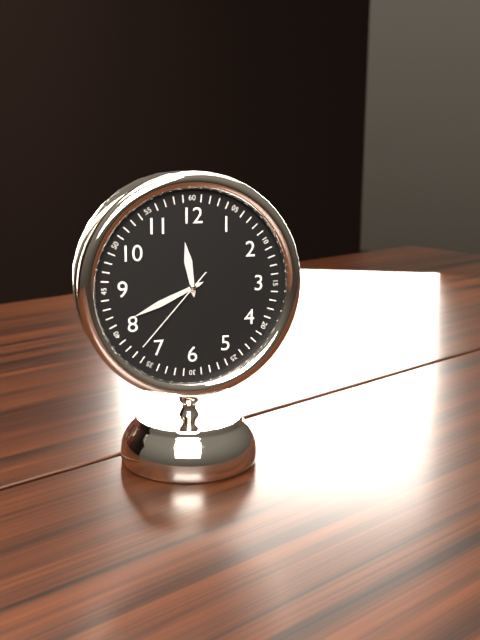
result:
11.41.37
